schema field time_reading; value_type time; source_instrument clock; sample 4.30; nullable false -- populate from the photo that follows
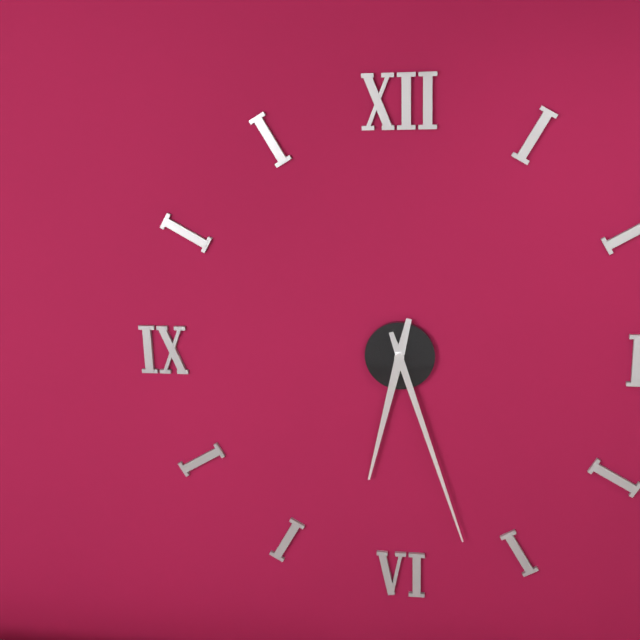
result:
6.27
